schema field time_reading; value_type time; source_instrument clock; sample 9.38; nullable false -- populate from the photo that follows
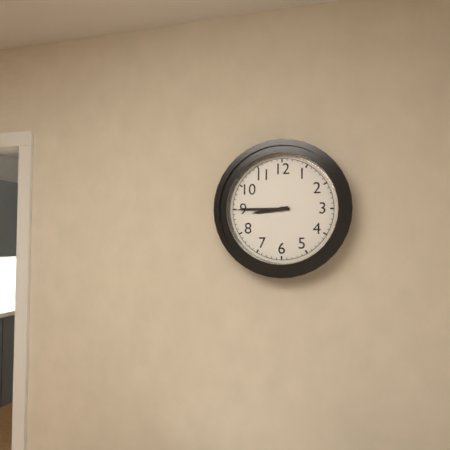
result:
8.45
